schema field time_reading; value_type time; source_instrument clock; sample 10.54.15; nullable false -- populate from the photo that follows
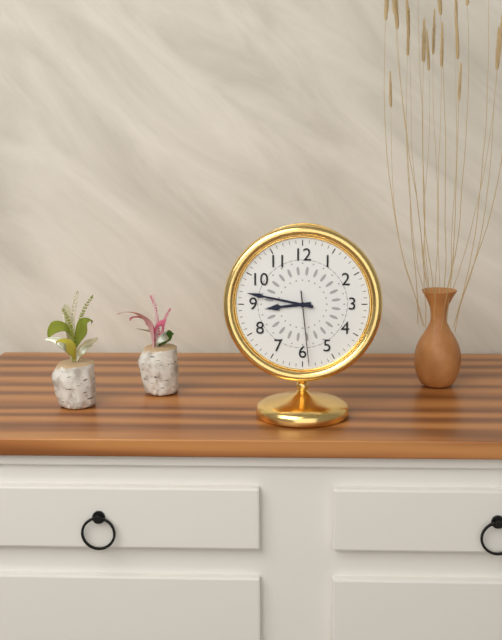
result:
8.47.29
